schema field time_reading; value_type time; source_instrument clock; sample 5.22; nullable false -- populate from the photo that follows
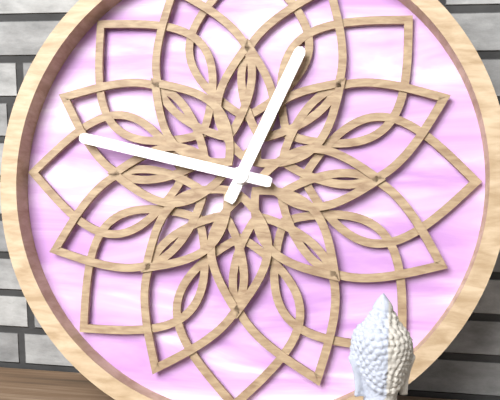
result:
12.47
